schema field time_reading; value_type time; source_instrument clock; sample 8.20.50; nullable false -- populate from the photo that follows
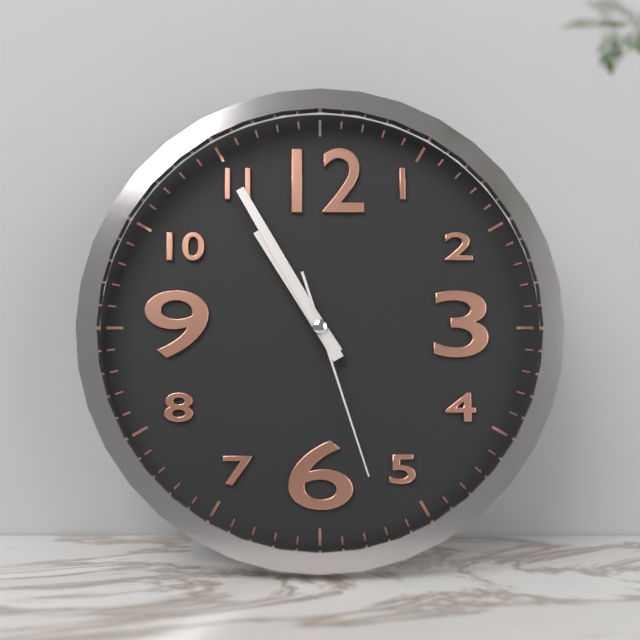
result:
10.55.27
